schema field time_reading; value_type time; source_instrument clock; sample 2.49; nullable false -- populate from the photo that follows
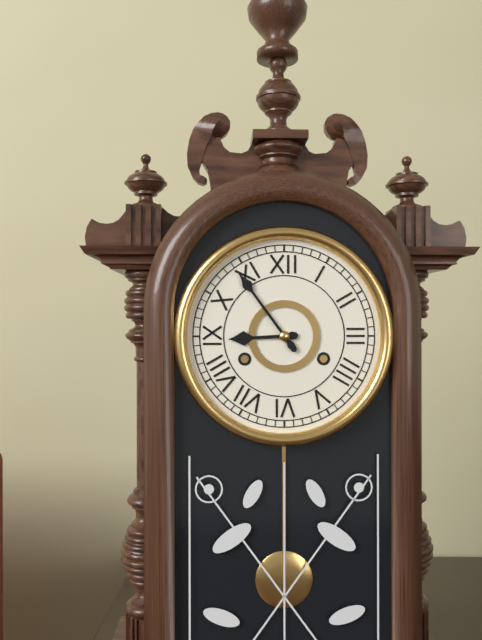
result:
8.54
